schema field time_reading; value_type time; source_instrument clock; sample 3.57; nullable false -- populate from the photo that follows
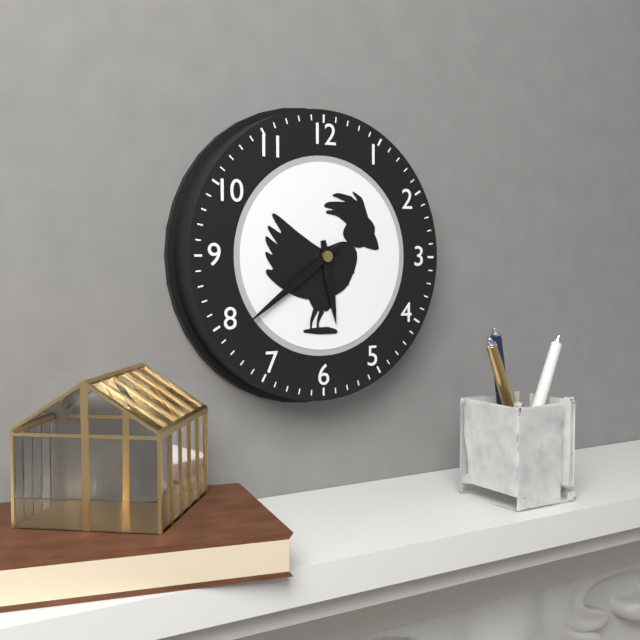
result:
5.39
